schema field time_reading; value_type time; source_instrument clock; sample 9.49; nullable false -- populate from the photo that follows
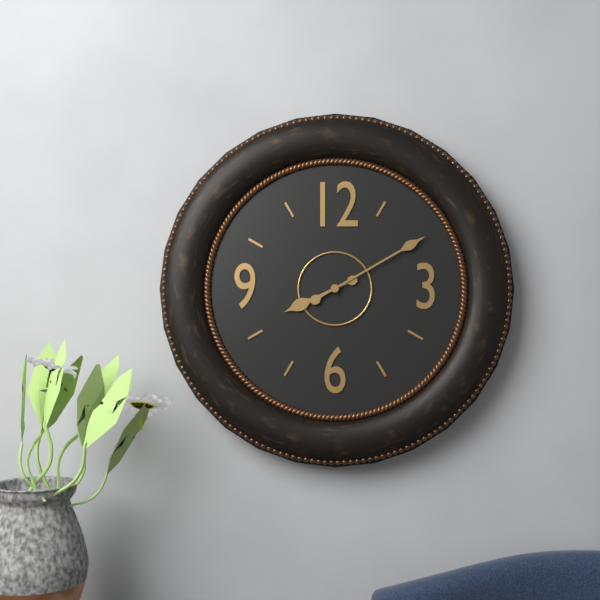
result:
8.10
